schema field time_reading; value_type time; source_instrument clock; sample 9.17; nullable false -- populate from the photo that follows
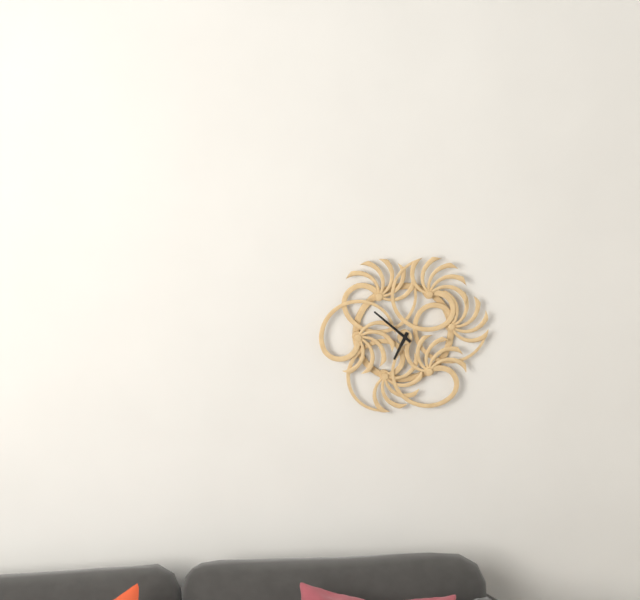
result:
6.52
